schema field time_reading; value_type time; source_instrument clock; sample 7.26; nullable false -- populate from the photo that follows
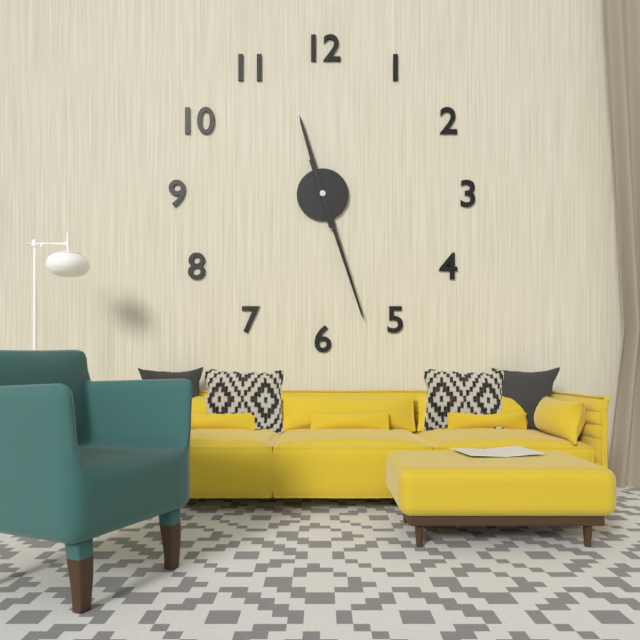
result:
11.27
